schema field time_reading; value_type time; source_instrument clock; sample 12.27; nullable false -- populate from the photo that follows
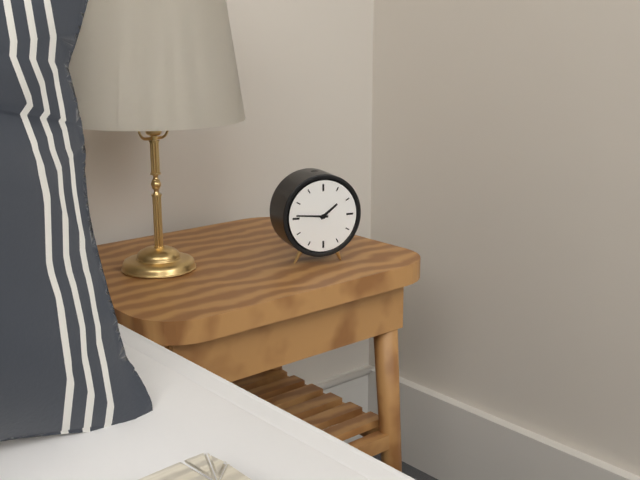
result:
1.46
